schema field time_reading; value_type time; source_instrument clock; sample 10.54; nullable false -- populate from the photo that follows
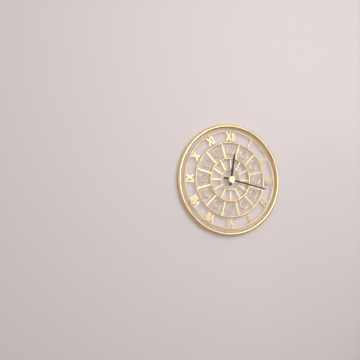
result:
12.17
